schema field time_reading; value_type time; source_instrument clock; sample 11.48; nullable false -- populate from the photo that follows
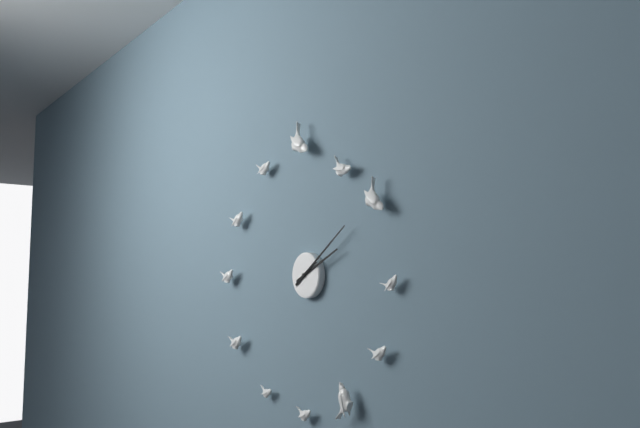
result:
2.09
